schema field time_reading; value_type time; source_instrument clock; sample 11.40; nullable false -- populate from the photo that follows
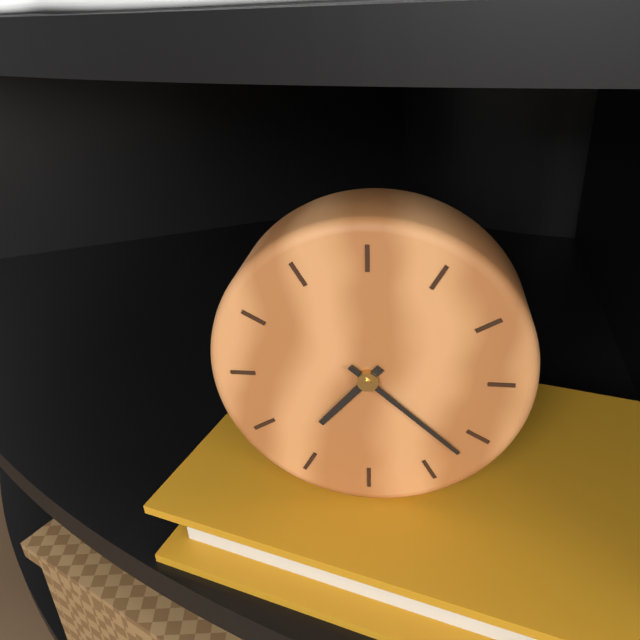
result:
7.22
